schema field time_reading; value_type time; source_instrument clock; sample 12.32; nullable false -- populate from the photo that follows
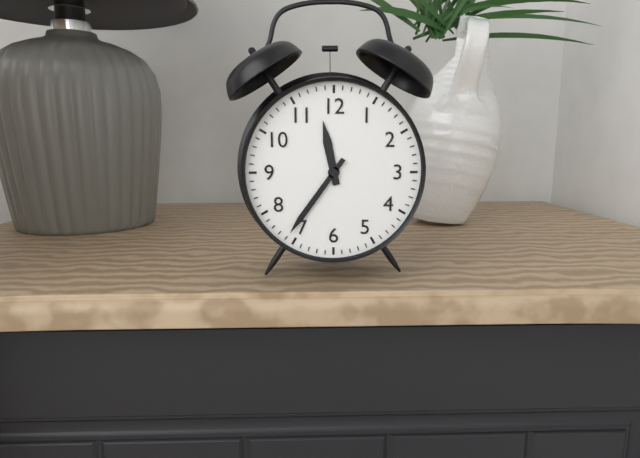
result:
11.36
